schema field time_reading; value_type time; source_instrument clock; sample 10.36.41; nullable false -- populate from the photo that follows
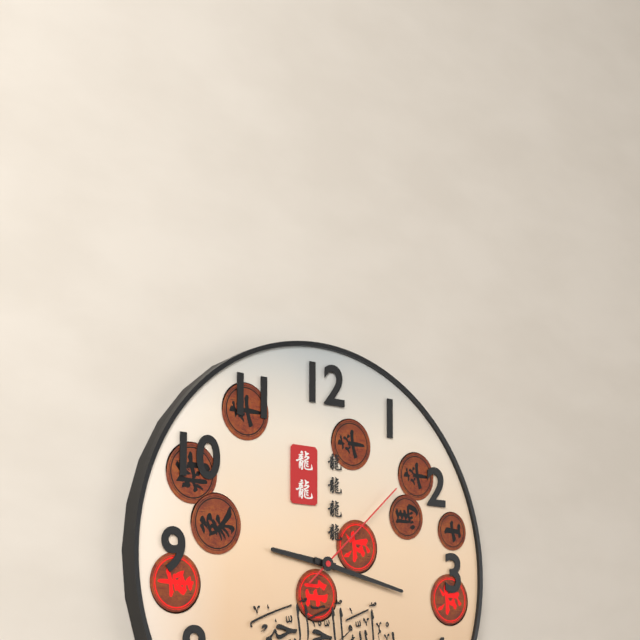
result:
9.17.08
